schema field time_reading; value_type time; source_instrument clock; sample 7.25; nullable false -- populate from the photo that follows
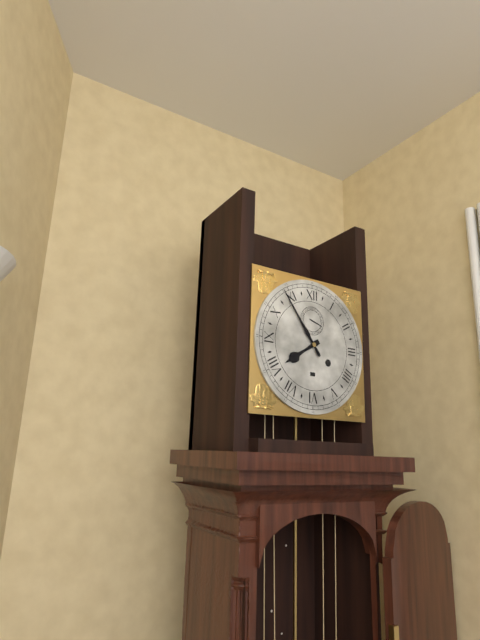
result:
7.54
